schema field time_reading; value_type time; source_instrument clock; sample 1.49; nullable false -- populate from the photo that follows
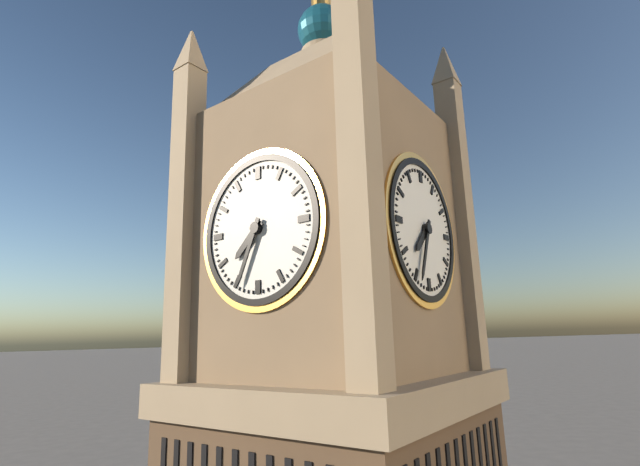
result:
7.34
